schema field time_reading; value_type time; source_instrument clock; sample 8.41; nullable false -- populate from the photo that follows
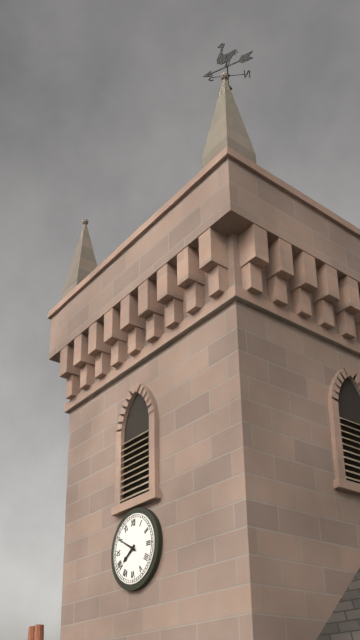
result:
7.50
